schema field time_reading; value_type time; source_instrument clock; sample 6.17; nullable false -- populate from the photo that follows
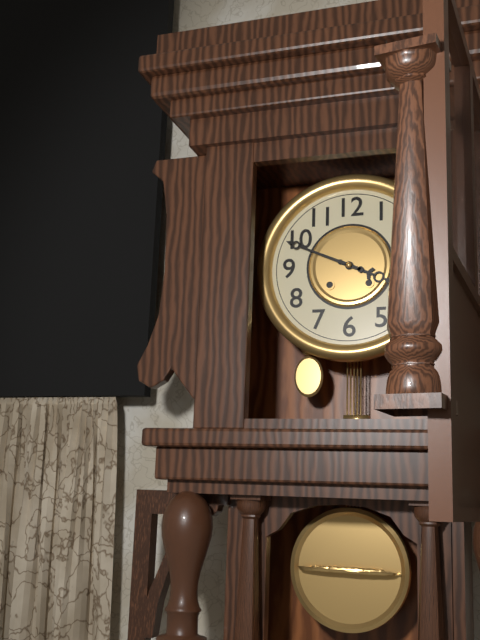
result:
3.49
